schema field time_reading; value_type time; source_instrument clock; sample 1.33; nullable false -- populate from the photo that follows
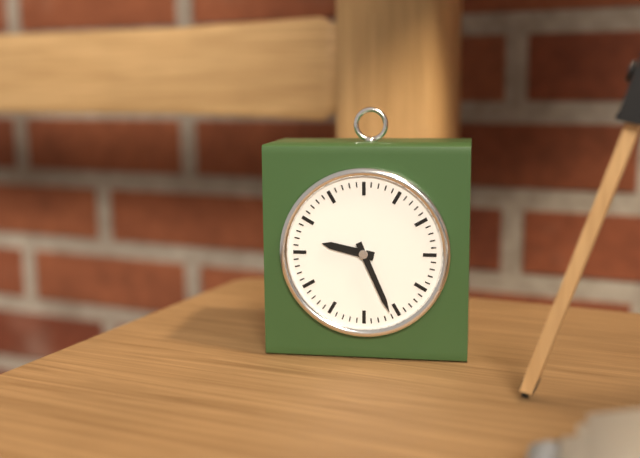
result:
9.26
